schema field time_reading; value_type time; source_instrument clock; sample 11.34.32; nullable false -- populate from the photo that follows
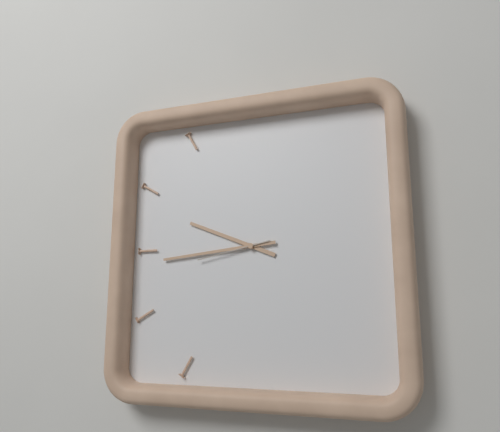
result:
9.44.43
